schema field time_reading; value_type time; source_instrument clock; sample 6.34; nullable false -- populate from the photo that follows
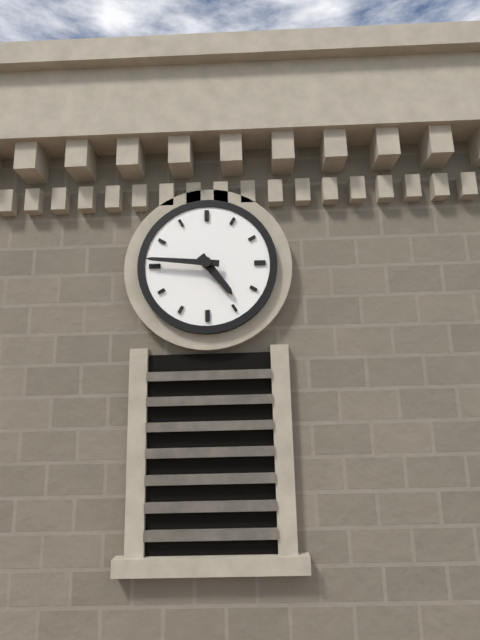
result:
4.46
